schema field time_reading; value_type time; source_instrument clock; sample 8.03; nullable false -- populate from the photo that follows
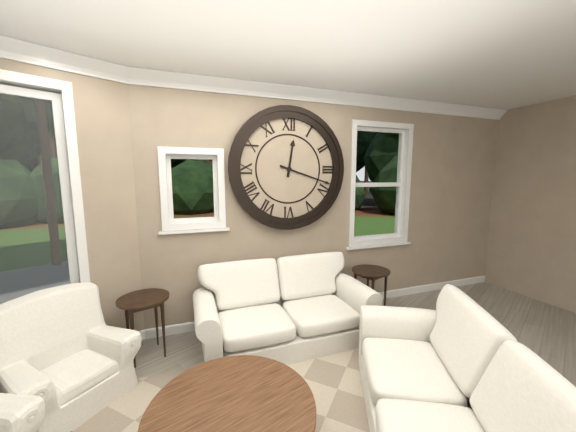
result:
12.18
